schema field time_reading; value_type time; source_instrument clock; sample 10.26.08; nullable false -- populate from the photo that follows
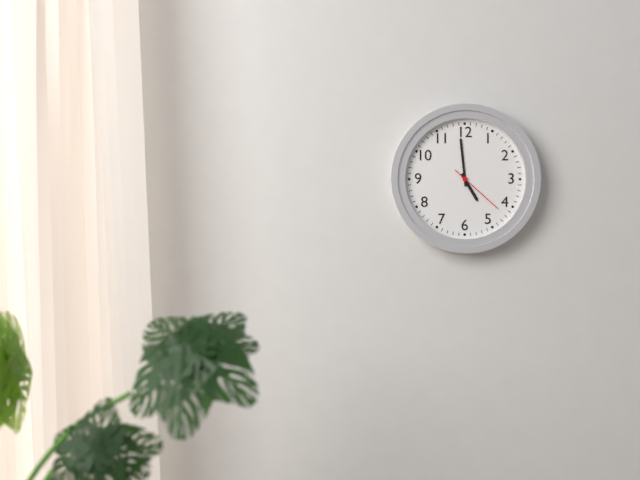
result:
4.59.22
